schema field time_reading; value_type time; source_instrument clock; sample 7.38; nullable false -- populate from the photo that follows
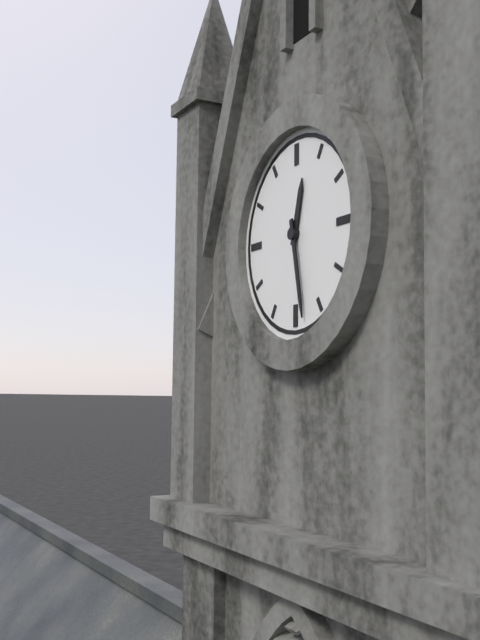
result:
12.28
